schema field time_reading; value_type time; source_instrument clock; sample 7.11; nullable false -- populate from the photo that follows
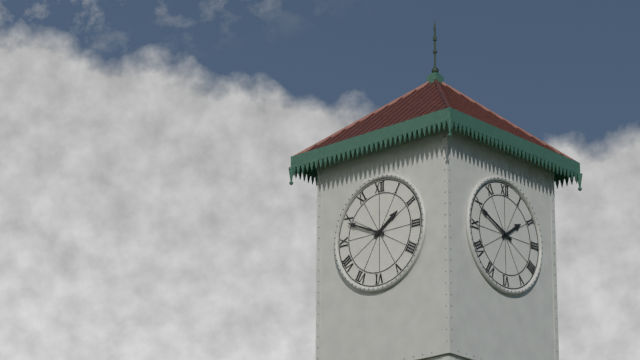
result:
1.49
